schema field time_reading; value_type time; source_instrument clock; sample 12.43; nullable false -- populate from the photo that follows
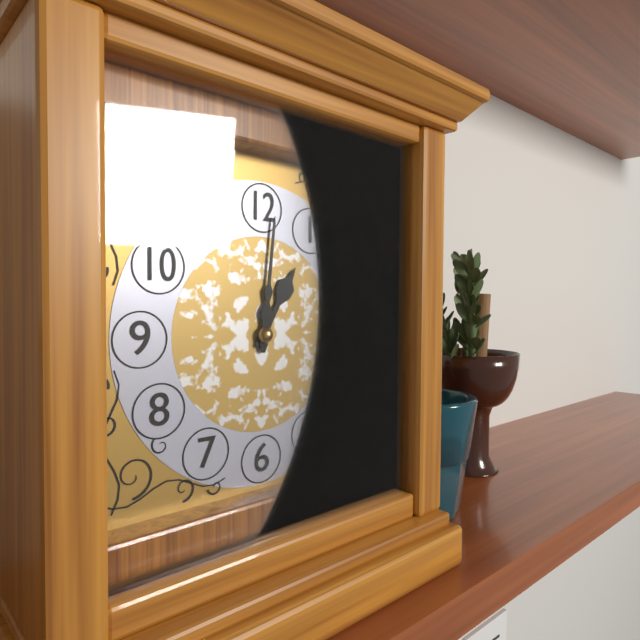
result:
1.01
